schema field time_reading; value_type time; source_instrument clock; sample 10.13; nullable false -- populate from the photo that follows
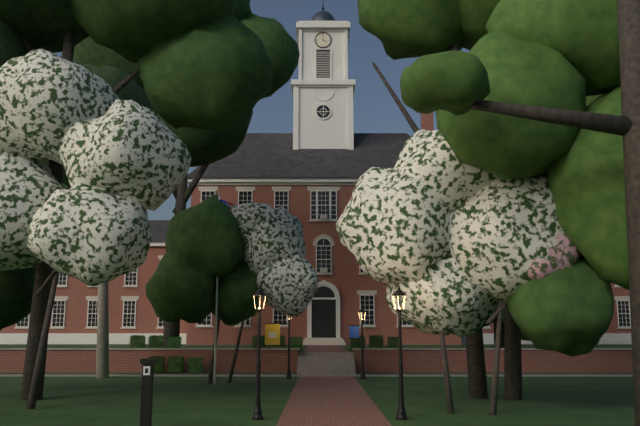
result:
3.59
